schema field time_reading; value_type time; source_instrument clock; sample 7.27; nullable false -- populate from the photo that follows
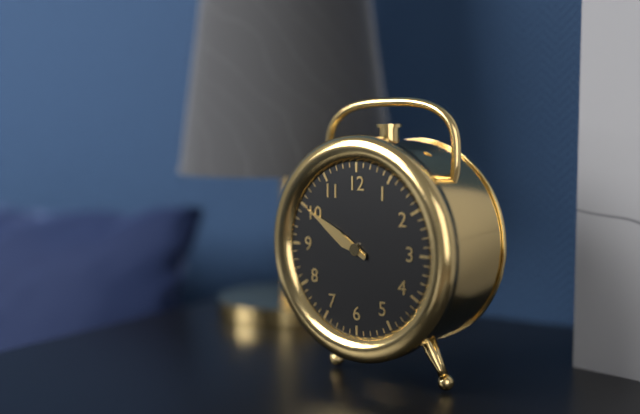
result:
9.50
